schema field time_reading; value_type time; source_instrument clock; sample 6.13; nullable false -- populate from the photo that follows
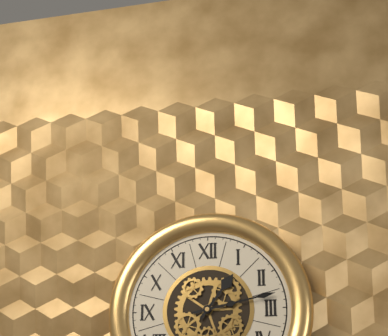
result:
1.13
